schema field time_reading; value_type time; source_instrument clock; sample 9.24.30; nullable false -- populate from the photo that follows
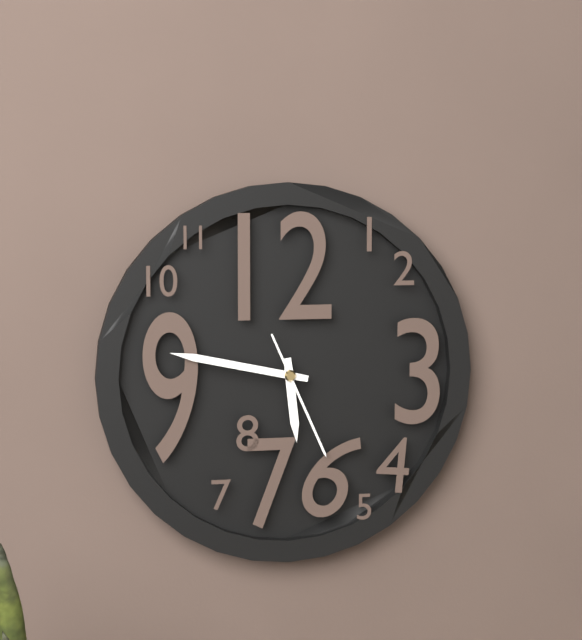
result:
5.47.26
